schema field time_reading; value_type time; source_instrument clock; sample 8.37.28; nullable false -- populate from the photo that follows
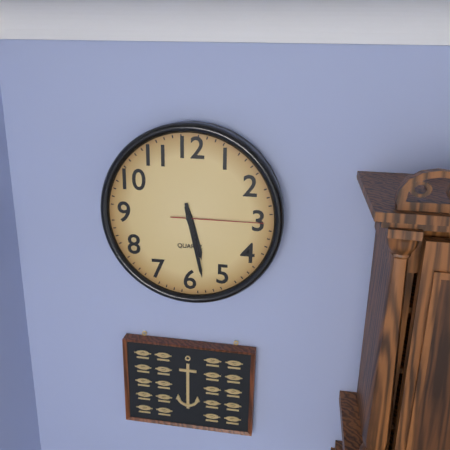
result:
5.28.15
